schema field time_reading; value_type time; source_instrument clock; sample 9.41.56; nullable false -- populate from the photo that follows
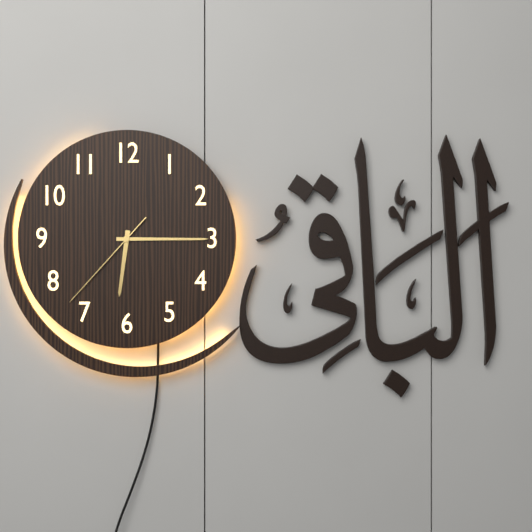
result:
6.15.37
